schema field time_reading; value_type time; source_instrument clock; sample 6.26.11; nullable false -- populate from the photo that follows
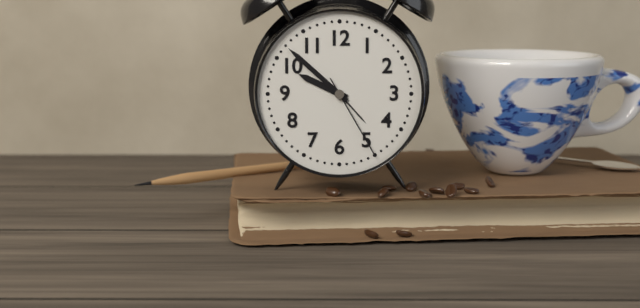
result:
9.52.25
